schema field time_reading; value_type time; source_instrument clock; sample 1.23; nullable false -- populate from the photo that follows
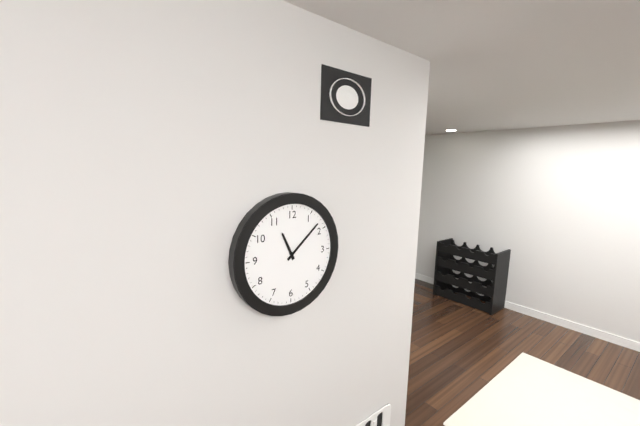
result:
11.08
